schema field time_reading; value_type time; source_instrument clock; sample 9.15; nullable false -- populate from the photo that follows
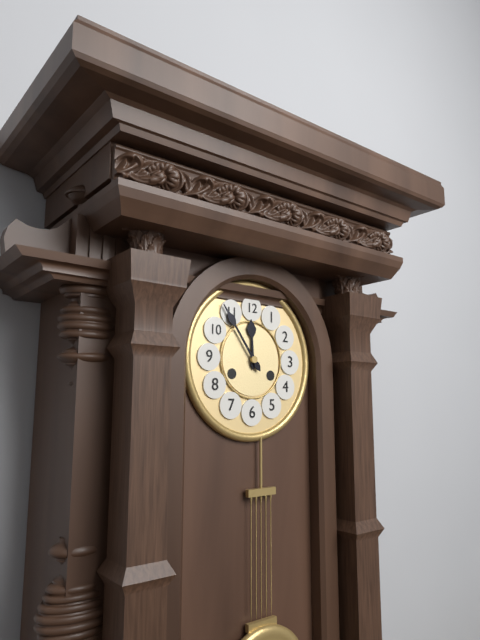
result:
11.54
